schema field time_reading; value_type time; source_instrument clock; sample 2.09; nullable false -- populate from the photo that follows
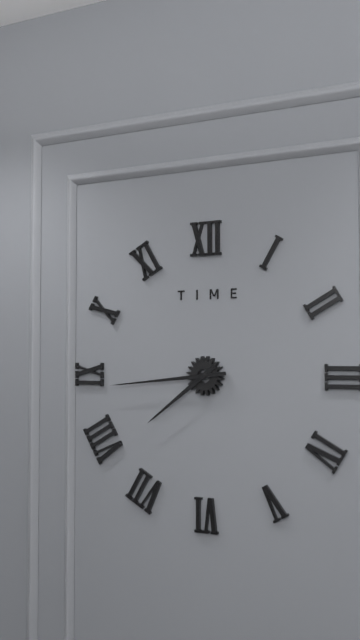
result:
7.44
